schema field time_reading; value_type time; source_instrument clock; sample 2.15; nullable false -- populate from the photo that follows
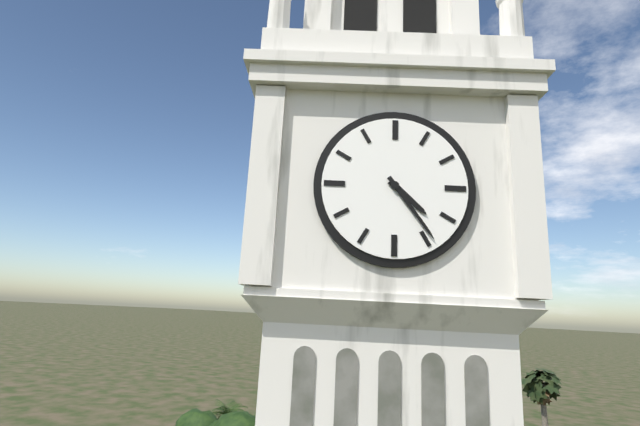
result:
4.24
